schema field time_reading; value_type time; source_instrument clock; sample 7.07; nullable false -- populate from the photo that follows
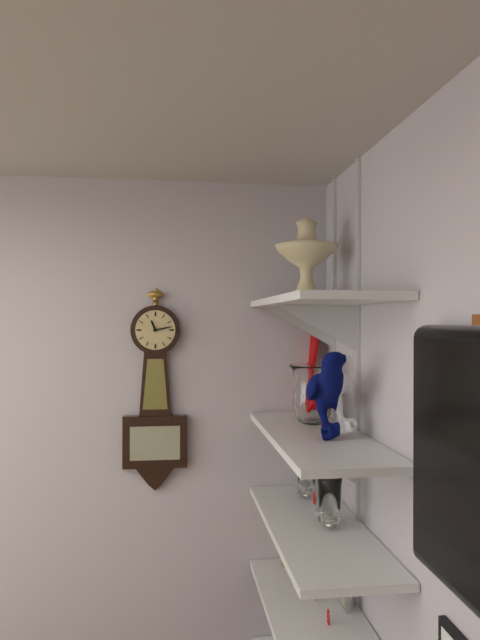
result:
11.13
